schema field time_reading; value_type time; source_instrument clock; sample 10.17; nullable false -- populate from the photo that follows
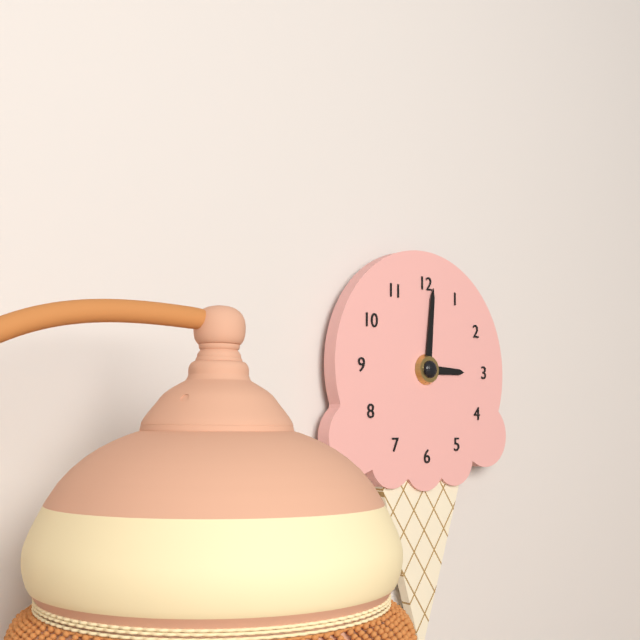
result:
3.01
